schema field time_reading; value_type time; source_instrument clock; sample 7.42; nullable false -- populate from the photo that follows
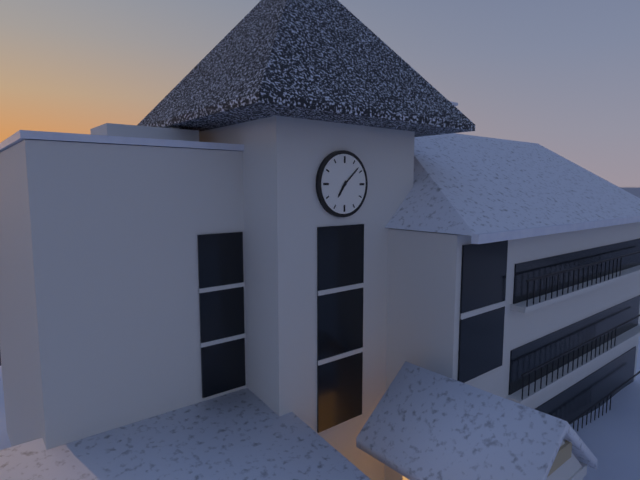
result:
7.08
